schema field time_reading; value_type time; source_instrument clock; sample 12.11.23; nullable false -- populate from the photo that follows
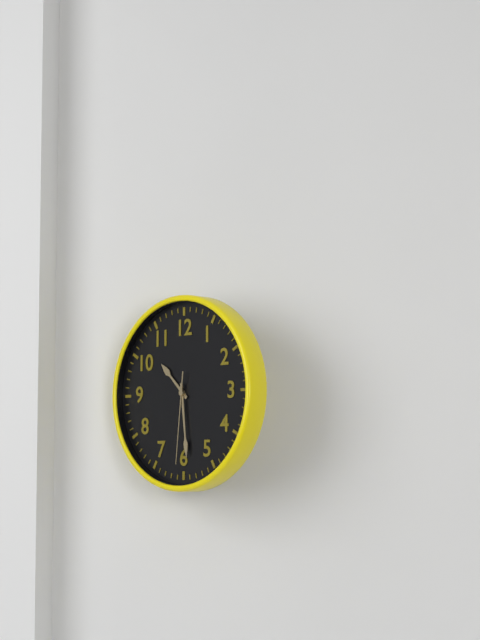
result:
10.29.31
